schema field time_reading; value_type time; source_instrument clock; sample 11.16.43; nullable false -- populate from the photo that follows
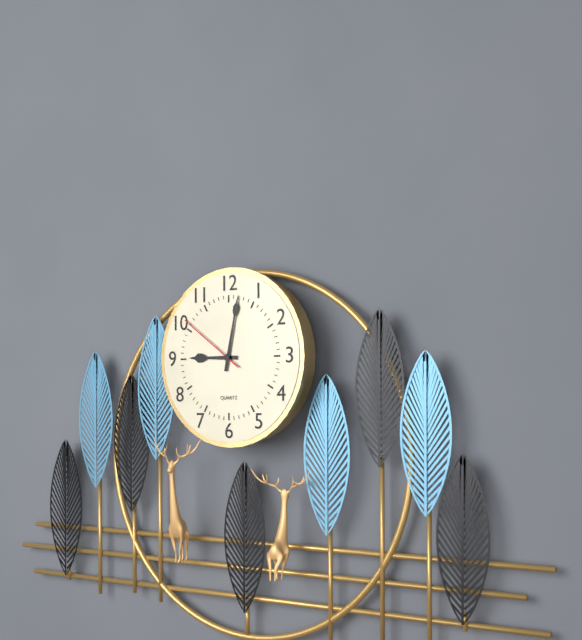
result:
9.02.51
